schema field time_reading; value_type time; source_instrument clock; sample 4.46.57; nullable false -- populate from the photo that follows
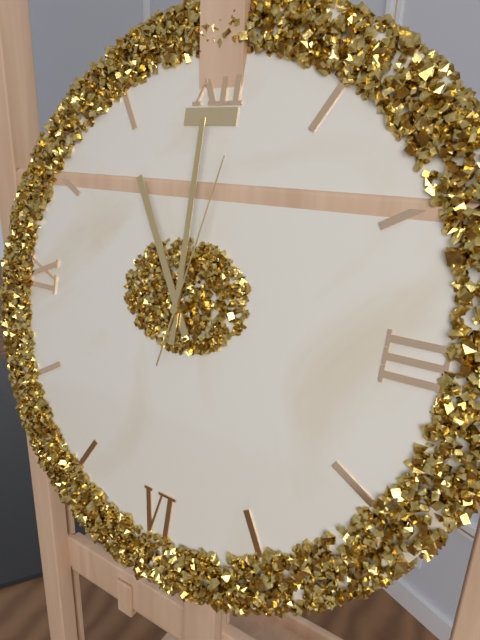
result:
11.00.02
